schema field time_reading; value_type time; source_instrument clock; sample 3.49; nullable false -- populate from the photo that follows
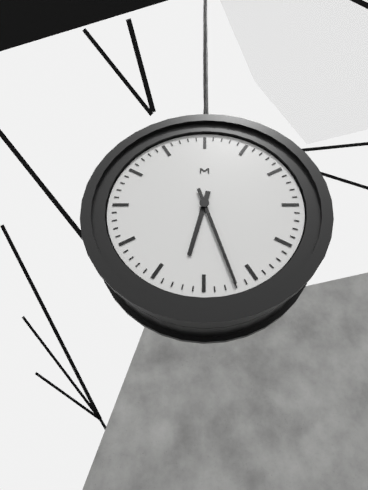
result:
6.27
